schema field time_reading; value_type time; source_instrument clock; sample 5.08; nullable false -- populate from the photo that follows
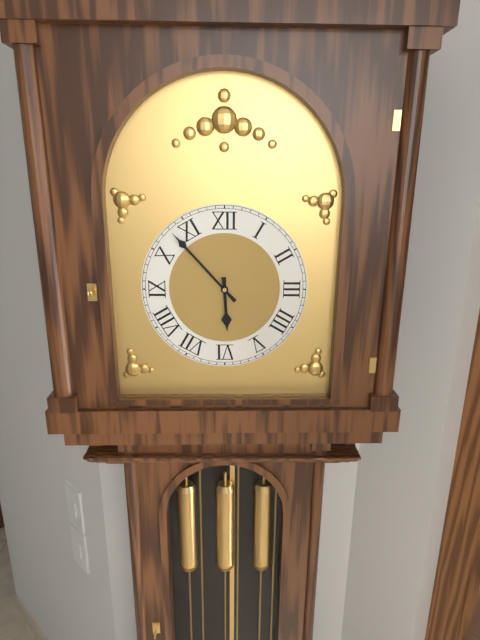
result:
5.53
